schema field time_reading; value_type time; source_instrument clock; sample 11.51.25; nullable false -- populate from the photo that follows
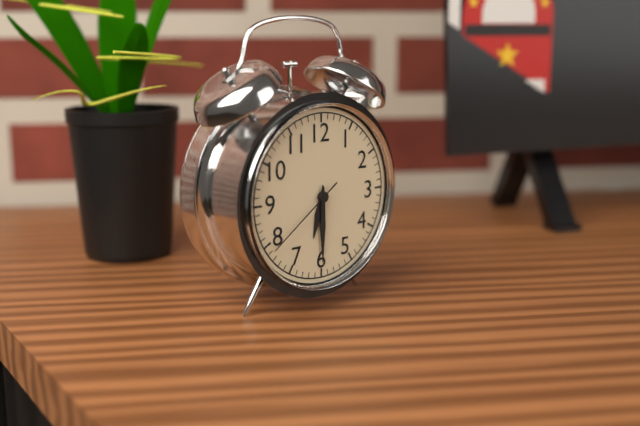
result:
6.30.39
